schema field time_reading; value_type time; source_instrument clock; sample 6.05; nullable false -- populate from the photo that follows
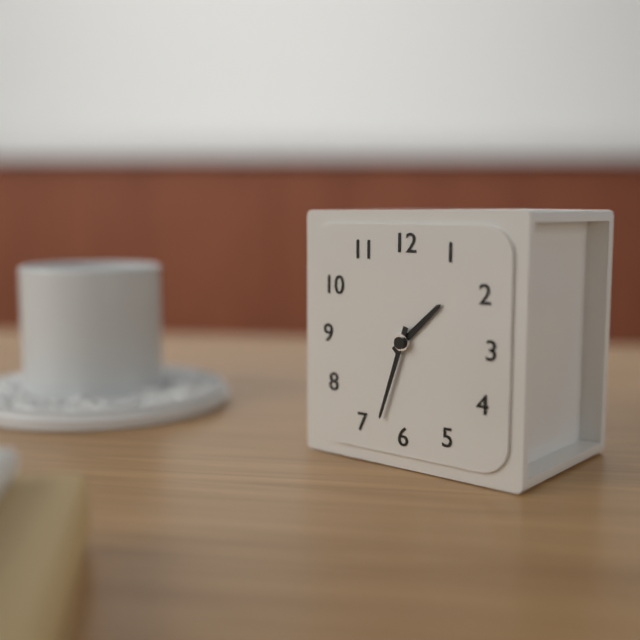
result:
1.33
